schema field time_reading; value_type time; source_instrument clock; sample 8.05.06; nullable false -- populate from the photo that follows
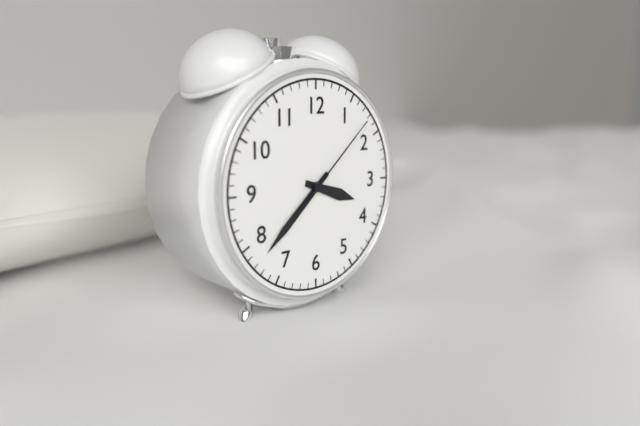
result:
3.38.08
